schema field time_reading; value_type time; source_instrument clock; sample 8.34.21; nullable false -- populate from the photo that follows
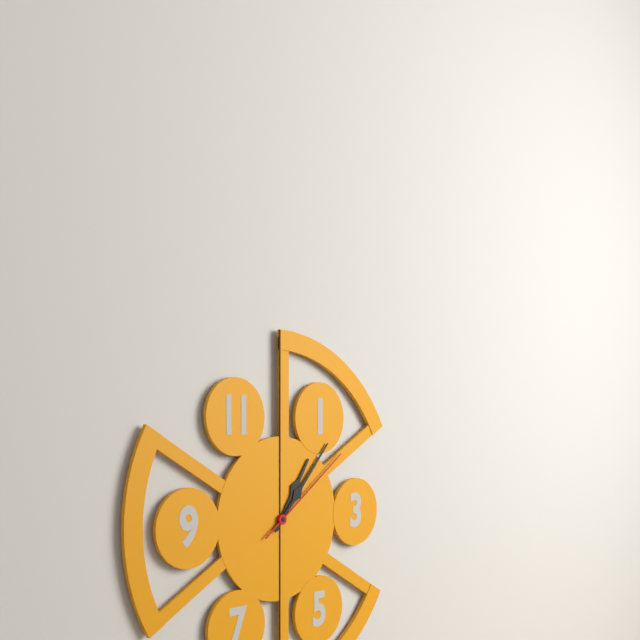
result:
1.07.09
